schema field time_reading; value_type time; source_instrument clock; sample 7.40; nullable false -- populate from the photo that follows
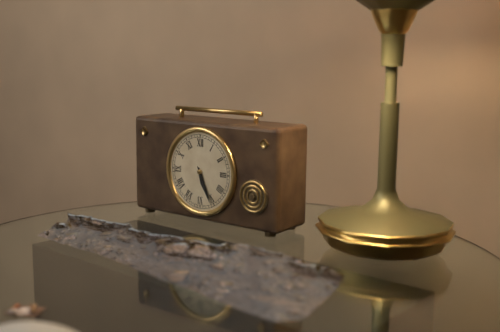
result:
5.26
